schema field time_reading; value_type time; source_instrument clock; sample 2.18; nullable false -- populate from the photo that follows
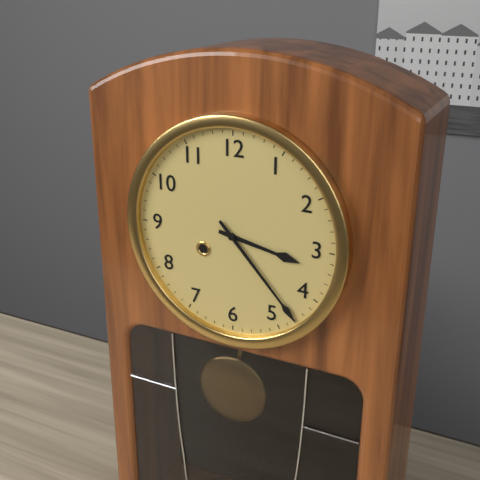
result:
3.23
